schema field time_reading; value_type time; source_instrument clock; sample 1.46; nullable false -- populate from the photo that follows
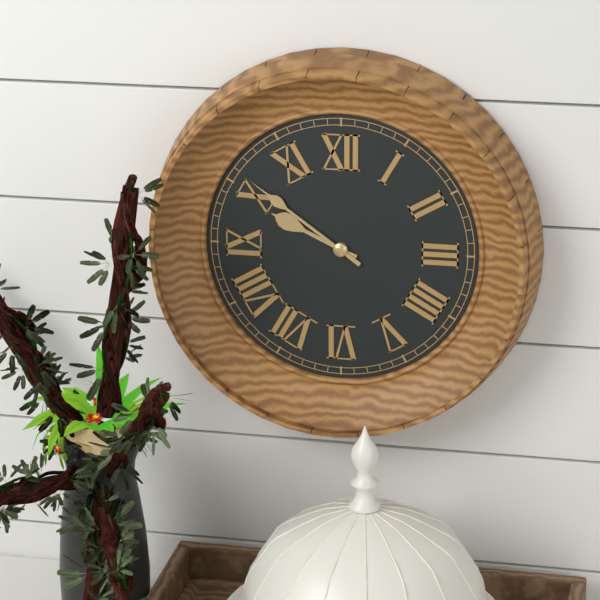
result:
9.51
